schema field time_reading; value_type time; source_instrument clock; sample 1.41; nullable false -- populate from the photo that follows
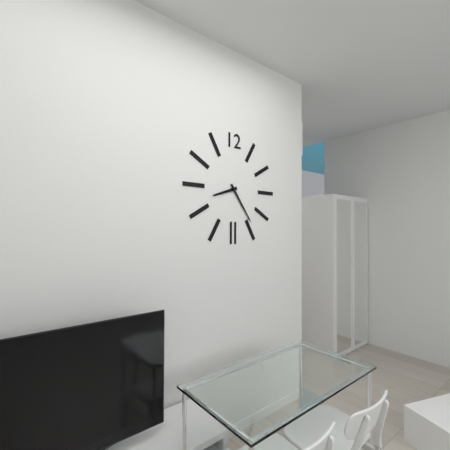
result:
8.24
